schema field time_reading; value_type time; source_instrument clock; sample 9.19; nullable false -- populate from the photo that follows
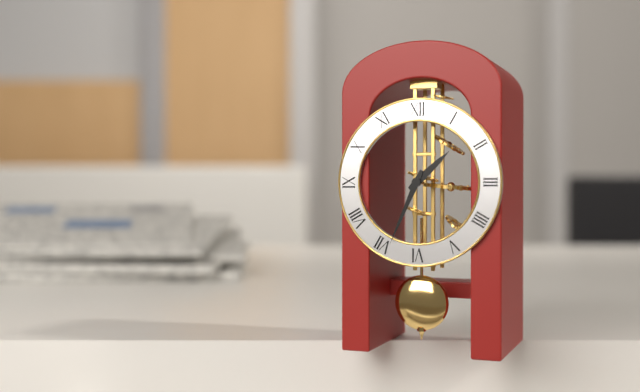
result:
1.34
